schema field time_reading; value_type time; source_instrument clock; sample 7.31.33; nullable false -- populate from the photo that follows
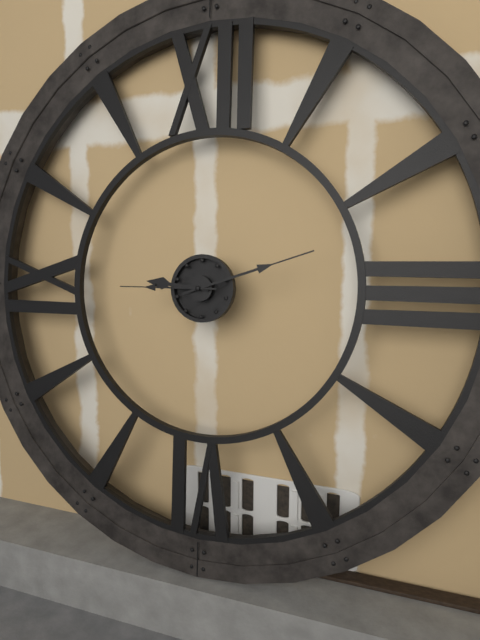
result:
9.12.45
